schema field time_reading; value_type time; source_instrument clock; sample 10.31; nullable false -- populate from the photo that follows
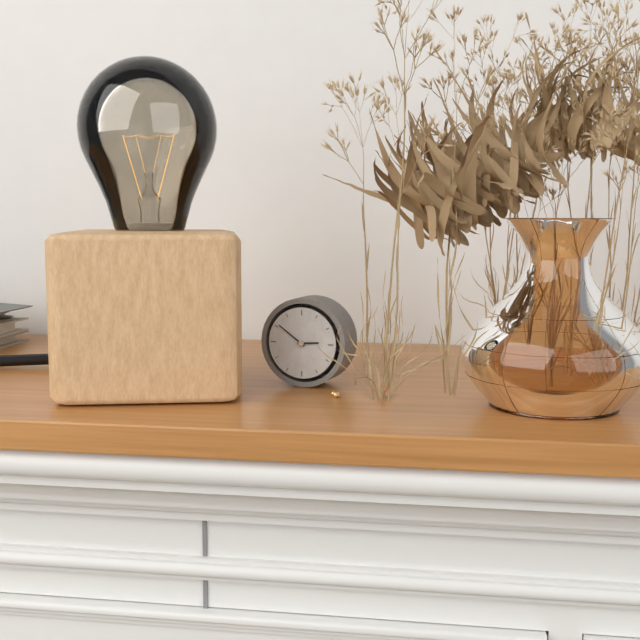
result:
2.51
